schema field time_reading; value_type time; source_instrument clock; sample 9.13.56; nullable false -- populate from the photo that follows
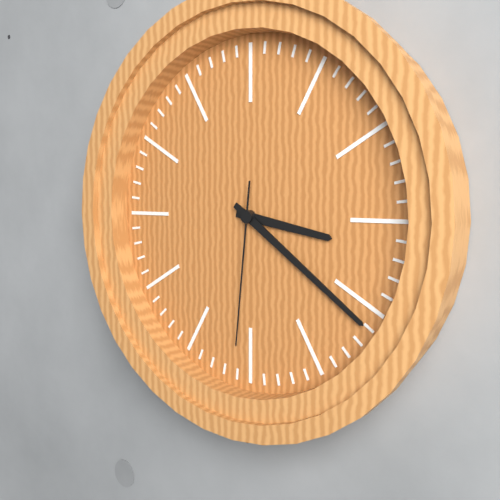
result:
3.21.31
